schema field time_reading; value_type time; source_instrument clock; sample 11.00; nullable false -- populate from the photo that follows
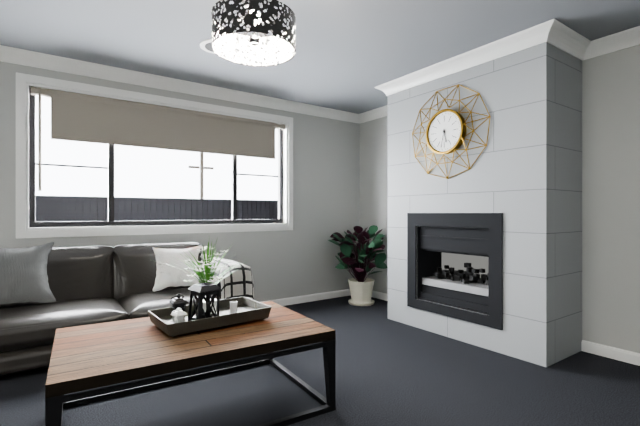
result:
5.32
